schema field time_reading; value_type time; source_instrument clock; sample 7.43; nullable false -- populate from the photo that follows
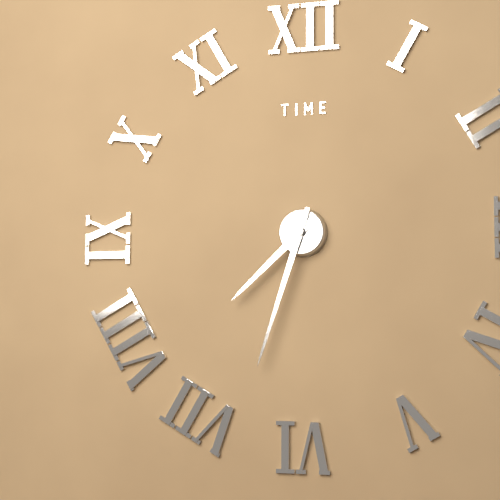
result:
7.33
